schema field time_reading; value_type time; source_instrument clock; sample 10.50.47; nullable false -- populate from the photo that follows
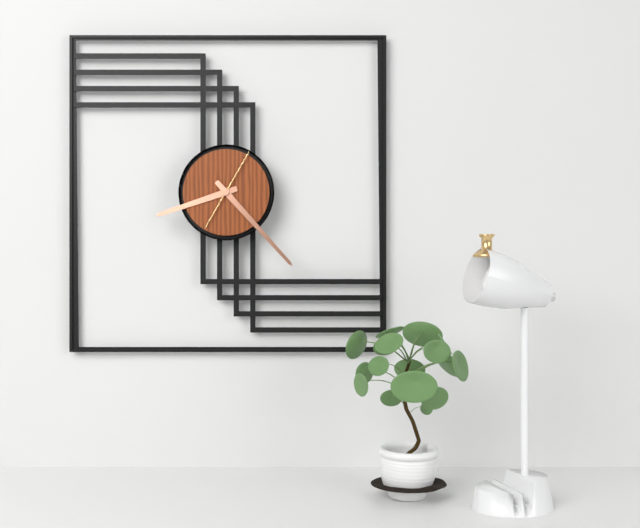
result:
8.23.05
